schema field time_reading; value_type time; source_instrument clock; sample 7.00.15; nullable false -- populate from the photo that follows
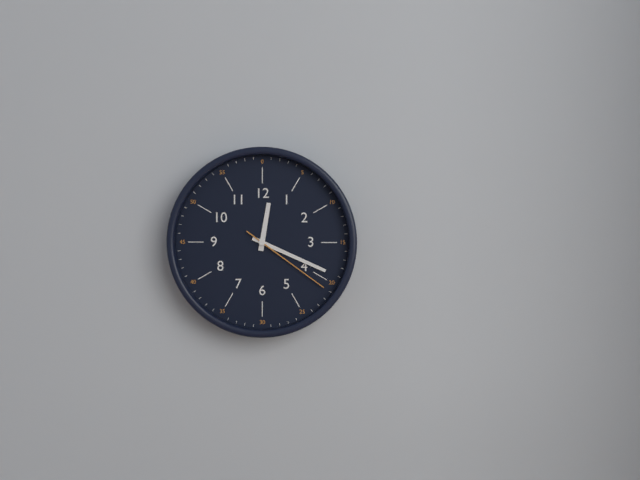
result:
12.19.21
